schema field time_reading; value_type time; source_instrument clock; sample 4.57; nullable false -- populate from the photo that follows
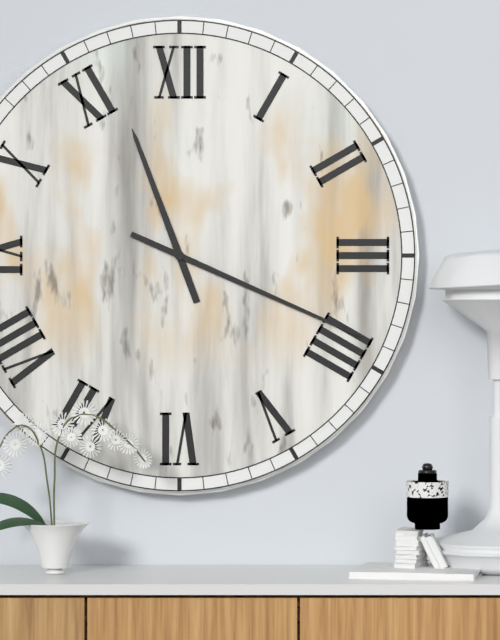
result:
11.19
